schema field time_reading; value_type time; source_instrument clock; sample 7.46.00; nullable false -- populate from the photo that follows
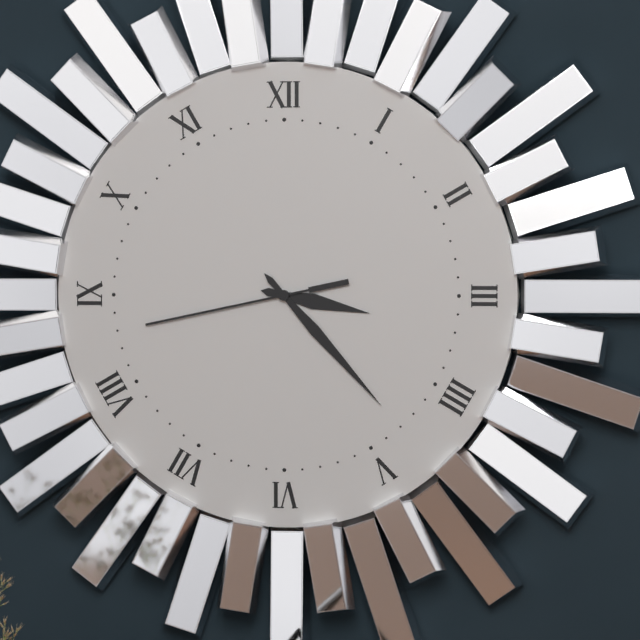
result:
3.23.43
